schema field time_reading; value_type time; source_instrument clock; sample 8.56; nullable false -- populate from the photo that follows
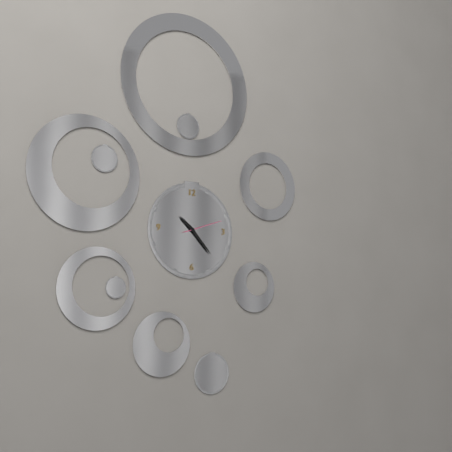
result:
10.23
